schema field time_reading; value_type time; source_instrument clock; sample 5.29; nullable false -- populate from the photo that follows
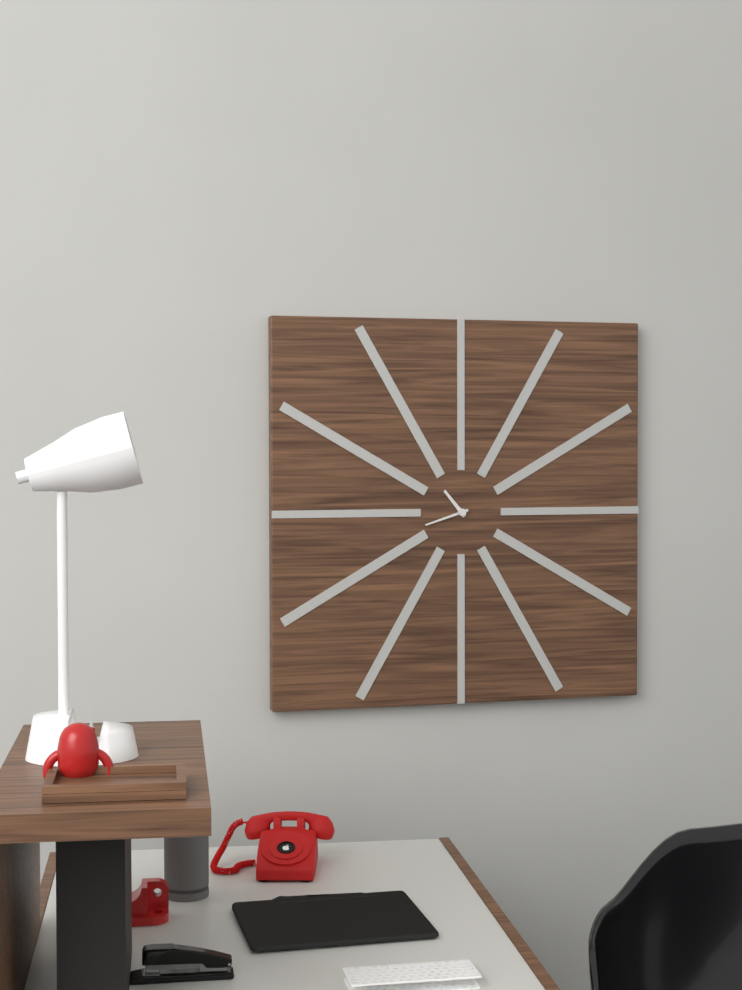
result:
10.42
